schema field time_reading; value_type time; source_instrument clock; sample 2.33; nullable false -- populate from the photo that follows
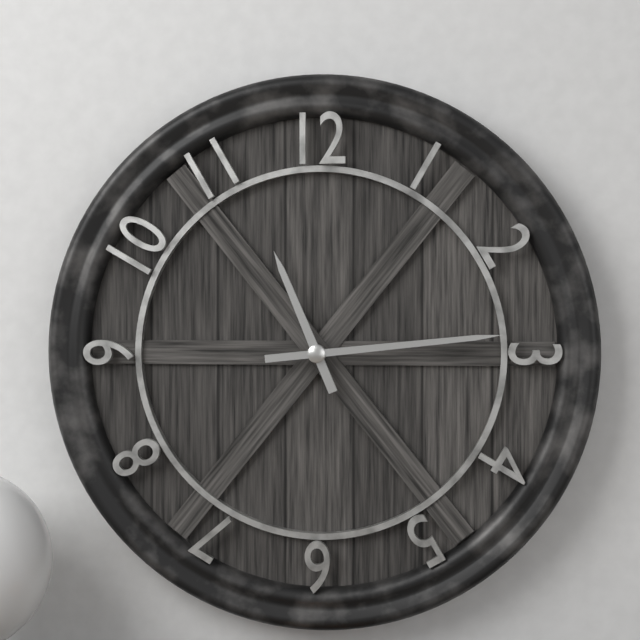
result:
11.14
